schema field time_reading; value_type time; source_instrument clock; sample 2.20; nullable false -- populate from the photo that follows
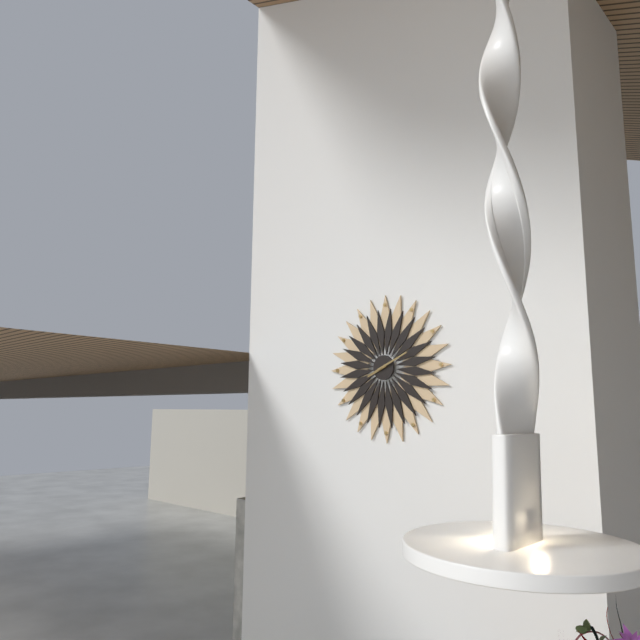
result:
8.11
